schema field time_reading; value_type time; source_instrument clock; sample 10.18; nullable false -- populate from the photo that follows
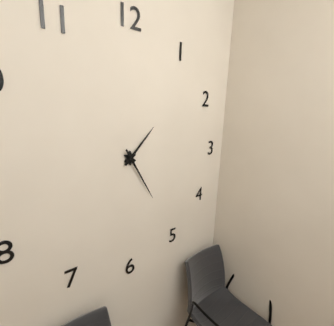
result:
1.25
